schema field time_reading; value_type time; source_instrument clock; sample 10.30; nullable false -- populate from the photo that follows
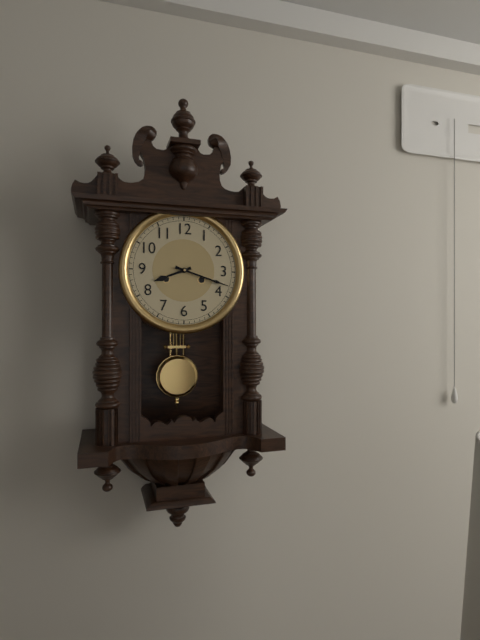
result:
8.18
